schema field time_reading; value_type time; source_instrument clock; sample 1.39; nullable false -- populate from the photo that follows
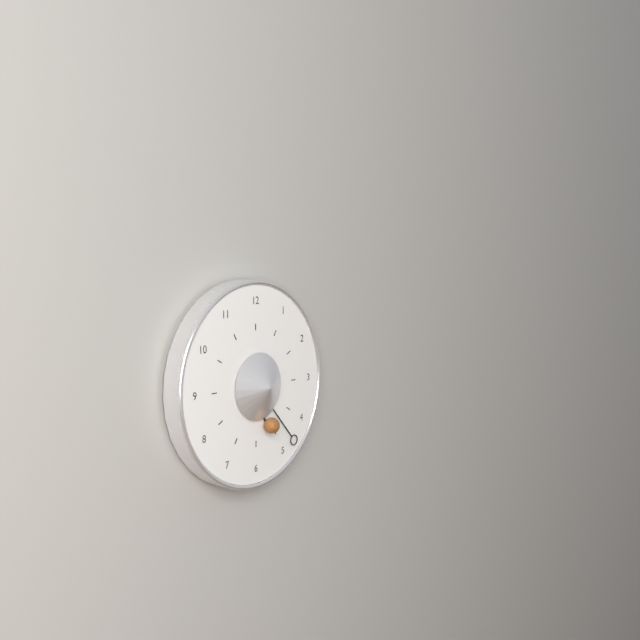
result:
5.23
